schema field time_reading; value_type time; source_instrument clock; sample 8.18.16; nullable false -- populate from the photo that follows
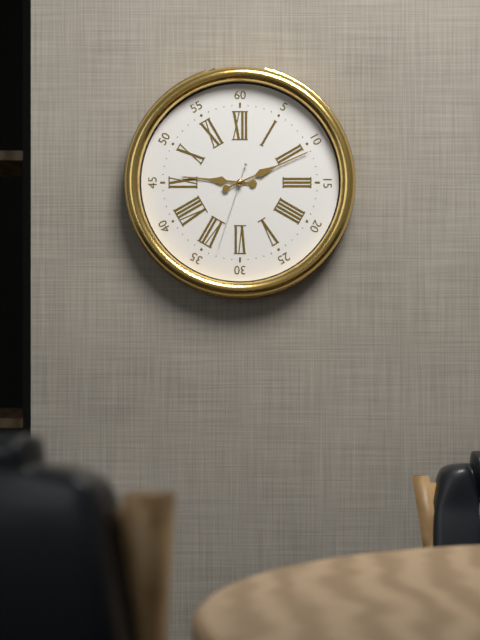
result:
9.11.33
